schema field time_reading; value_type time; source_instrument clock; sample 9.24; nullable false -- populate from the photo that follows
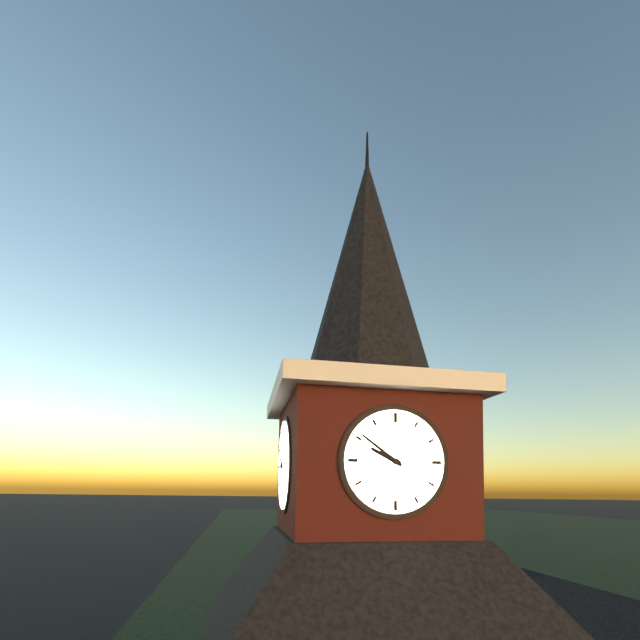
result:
9.51
